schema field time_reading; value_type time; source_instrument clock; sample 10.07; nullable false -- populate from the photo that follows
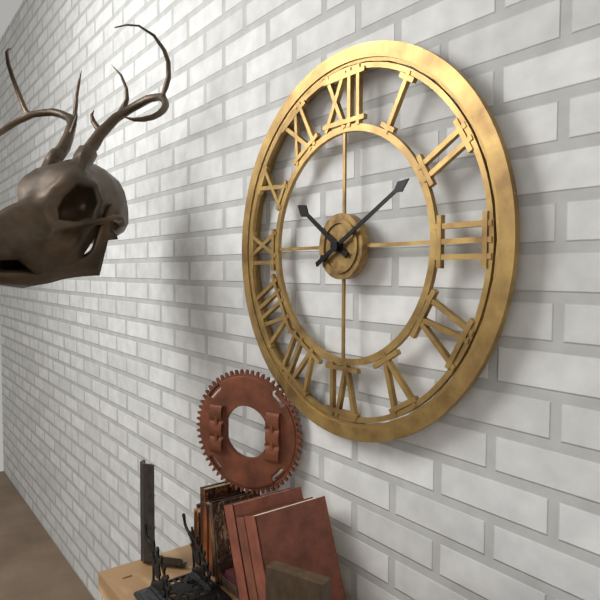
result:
10.10
